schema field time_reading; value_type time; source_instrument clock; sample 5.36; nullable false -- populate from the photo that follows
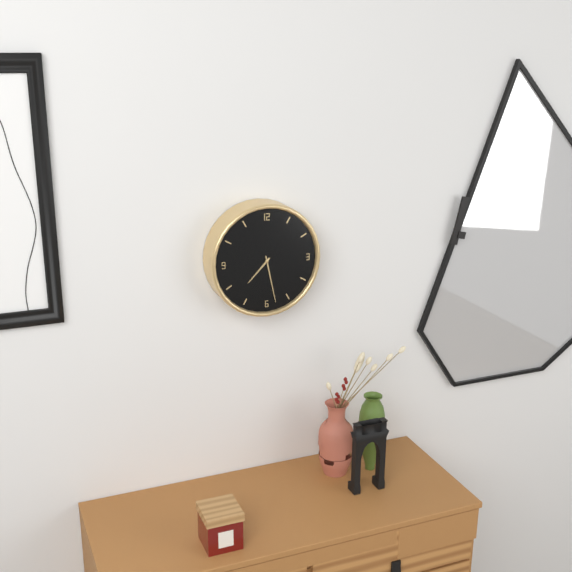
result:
7.28
